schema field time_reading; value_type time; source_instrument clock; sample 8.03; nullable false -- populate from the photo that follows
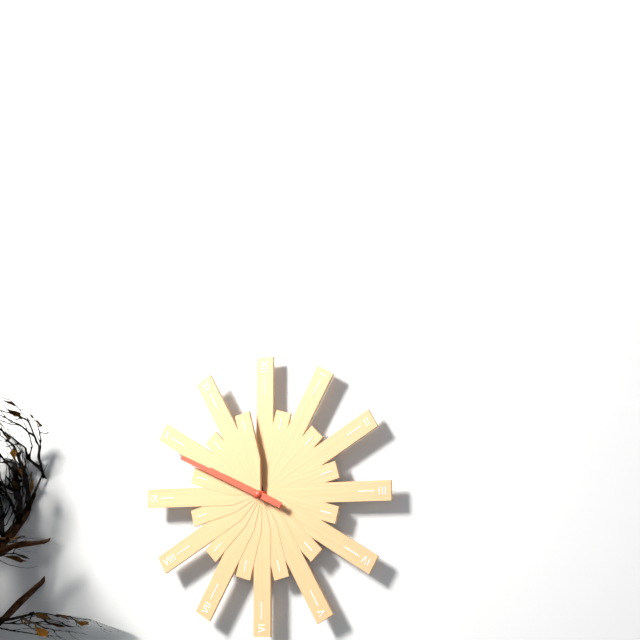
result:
9.49
